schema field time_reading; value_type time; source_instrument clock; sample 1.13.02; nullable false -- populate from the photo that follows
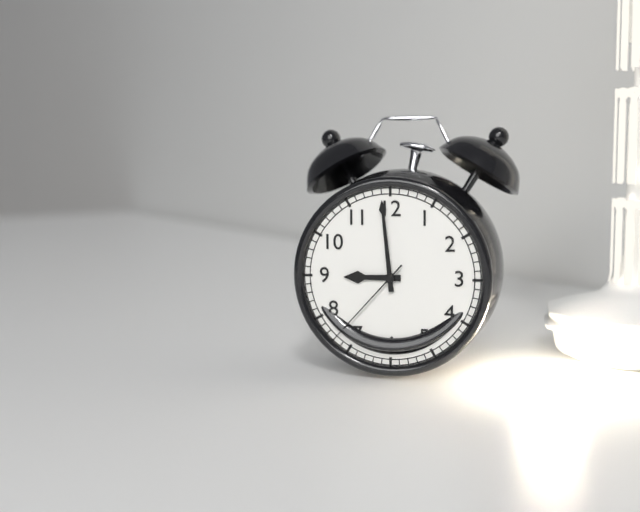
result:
8.59.37
